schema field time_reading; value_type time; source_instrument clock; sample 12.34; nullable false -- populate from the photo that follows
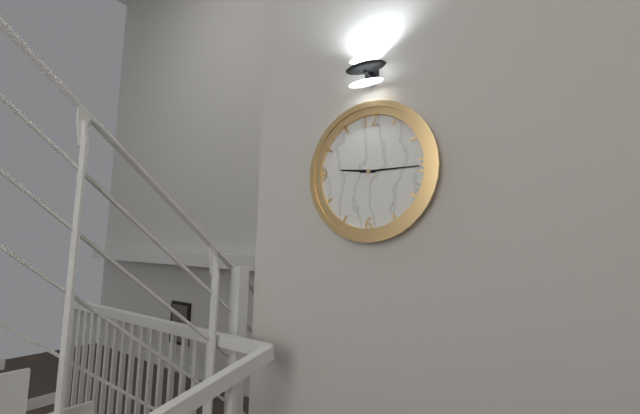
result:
9.15
